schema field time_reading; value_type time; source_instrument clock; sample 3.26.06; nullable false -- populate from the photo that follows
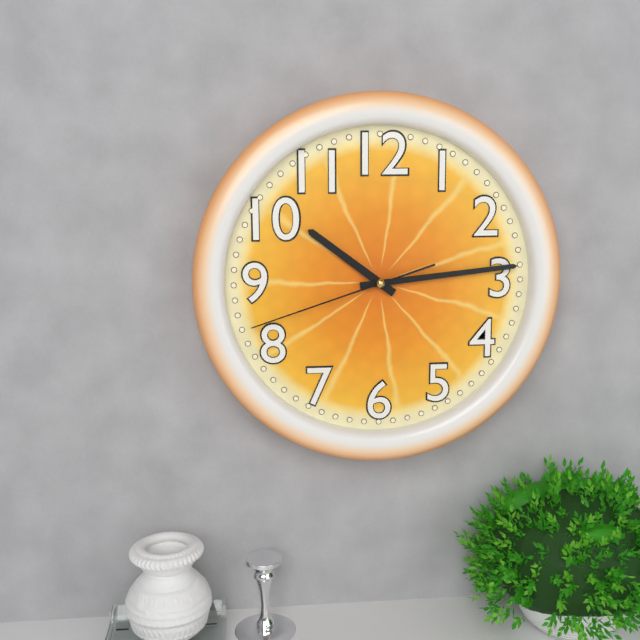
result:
10.14.42
